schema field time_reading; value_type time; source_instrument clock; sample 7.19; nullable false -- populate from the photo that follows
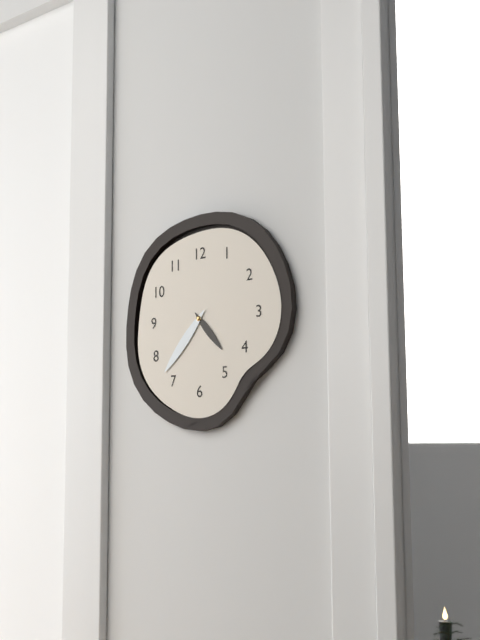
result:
4.37
